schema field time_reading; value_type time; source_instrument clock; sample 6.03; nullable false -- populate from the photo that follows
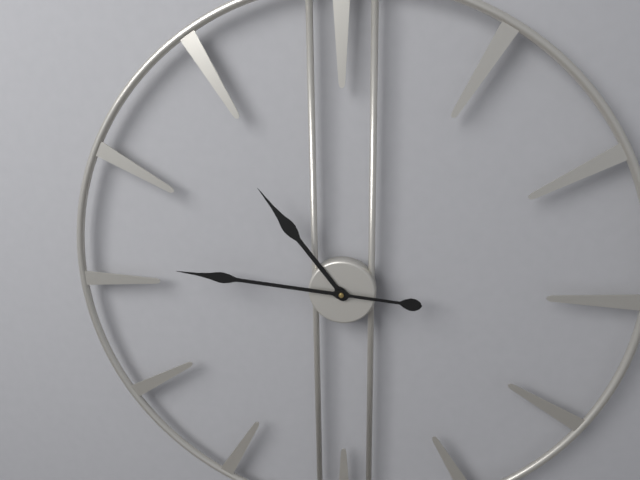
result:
10.46
